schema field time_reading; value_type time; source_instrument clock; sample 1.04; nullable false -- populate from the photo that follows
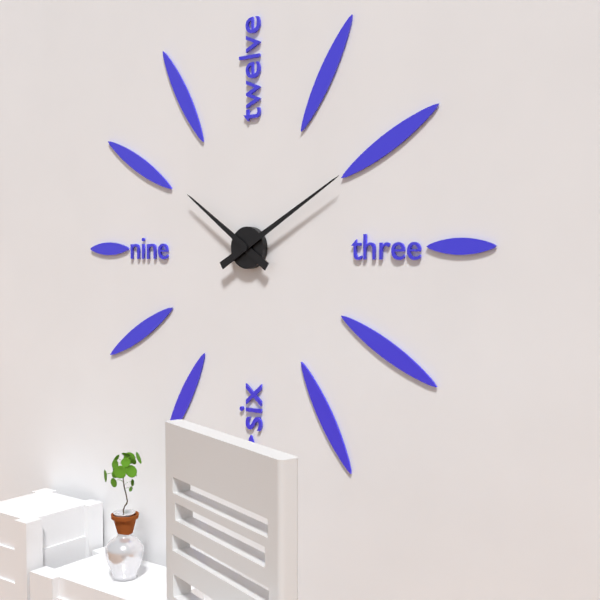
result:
10.10
